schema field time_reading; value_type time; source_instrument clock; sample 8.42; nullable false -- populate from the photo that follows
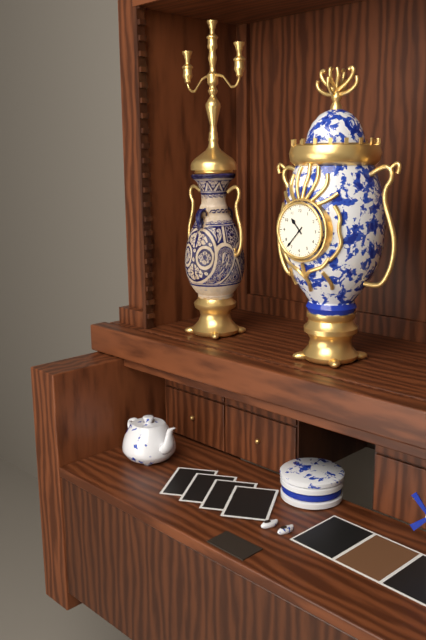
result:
10.37
